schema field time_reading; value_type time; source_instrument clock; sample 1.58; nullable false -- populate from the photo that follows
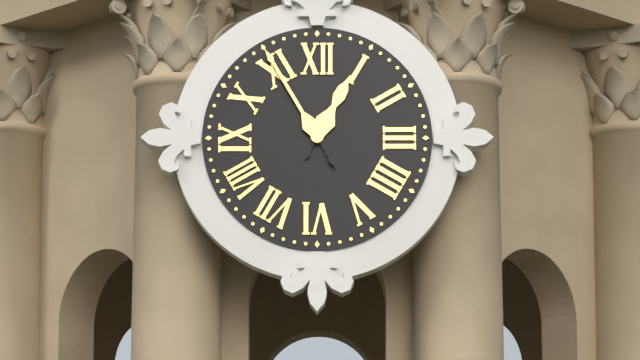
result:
12.55
